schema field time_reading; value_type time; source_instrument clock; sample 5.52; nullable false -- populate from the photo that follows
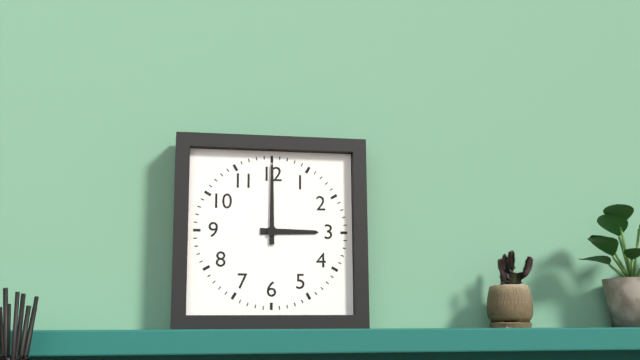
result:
3.00
